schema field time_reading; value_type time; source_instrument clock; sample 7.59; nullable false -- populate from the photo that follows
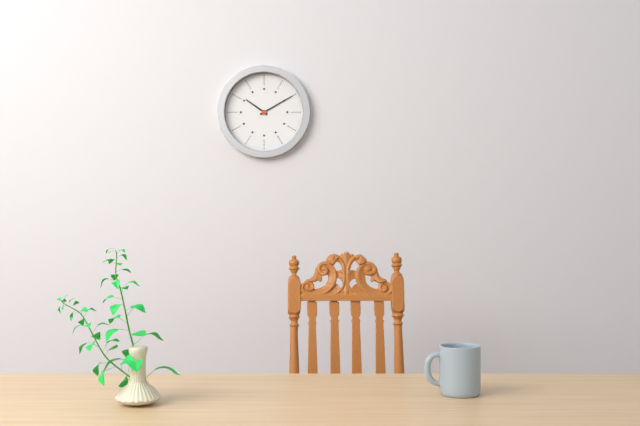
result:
10.10
